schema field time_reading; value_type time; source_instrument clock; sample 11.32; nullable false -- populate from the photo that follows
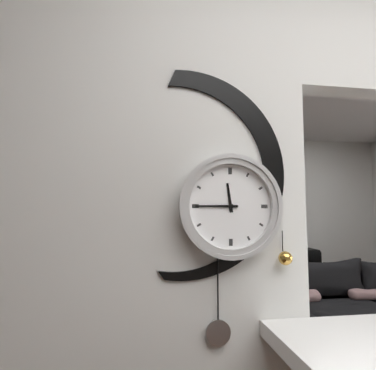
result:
11.45
